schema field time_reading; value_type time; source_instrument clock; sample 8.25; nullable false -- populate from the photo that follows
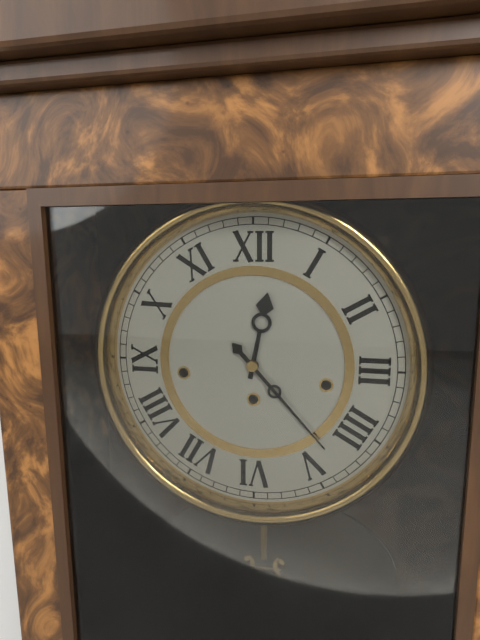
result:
12.23
